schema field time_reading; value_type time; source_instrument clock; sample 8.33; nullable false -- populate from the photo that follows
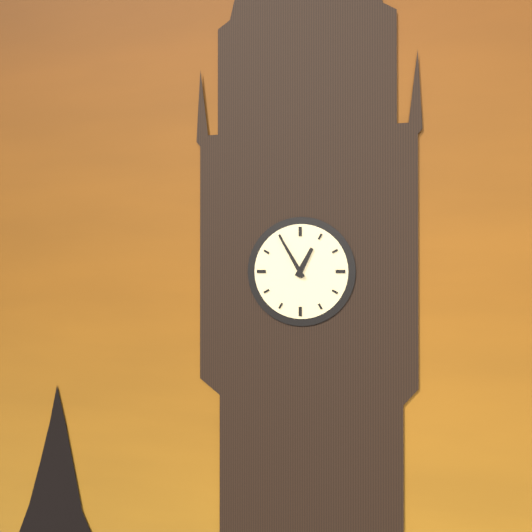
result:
12.55
